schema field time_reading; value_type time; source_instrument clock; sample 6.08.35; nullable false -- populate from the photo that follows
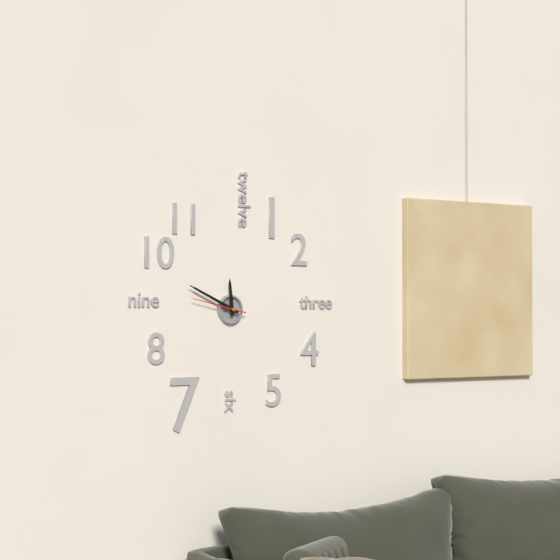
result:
11.49.47
